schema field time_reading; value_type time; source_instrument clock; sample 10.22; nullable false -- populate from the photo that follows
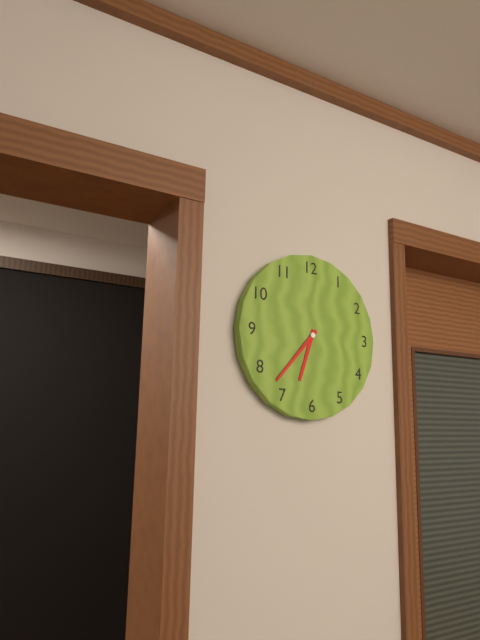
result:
6.37
